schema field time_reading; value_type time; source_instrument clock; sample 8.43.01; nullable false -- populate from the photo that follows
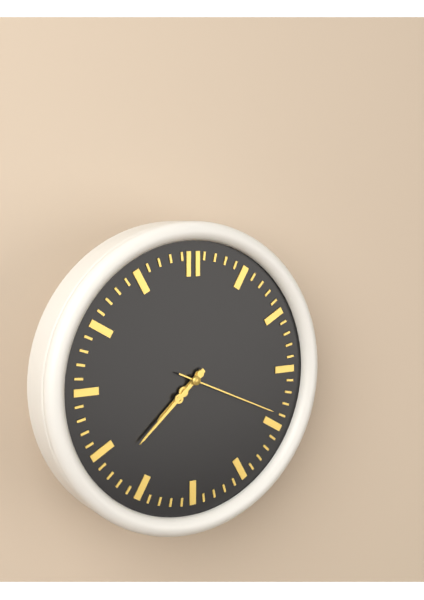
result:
7.38.19
